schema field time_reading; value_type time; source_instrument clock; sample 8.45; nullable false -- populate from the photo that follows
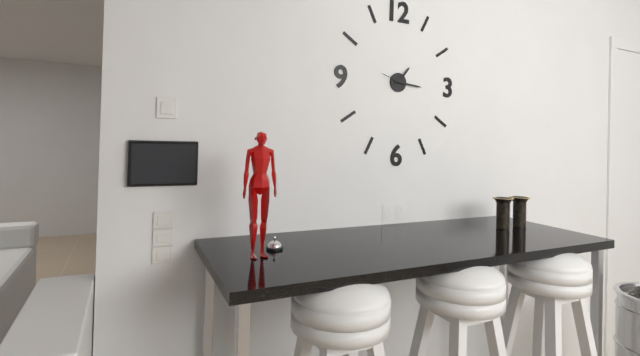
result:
1.16
